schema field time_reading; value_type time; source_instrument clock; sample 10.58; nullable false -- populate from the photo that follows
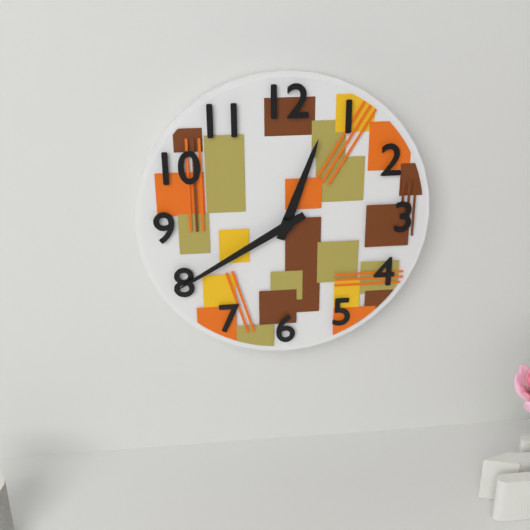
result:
12.40
